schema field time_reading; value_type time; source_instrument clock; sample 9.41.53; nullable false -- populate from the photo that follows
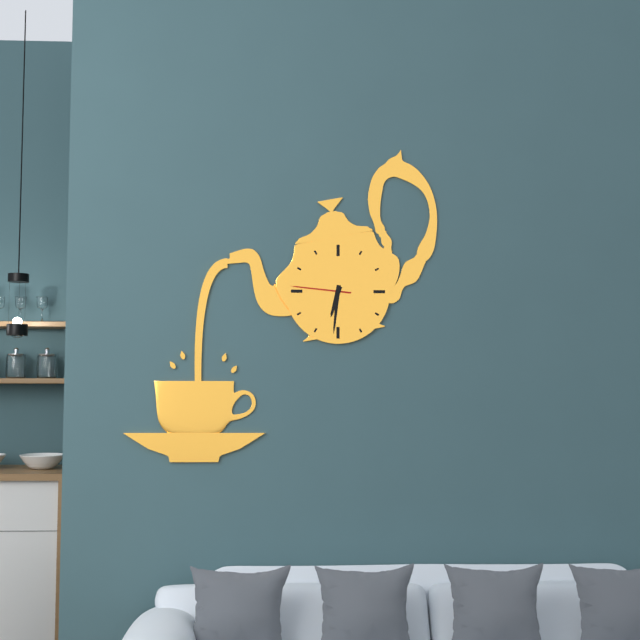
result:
6.31.46
